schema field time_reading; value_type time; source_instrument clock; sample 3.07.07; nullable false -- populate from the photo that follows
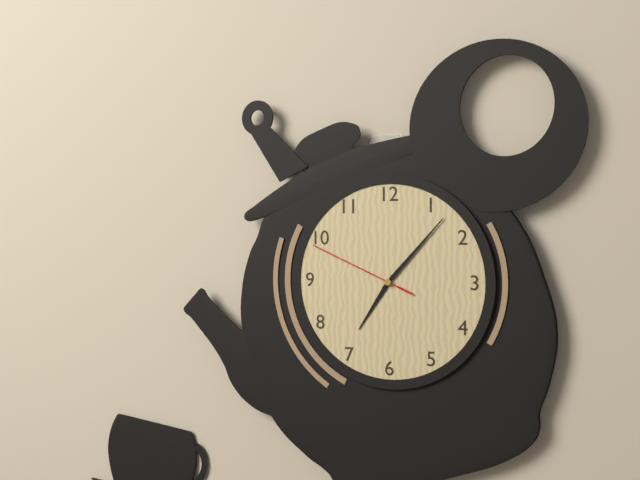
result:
7.07.49
